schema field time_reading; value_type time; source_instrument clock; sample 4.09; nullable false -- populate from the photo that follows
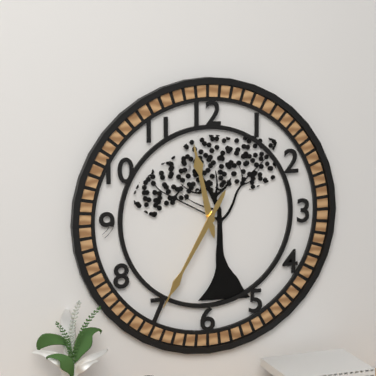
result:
11.35
